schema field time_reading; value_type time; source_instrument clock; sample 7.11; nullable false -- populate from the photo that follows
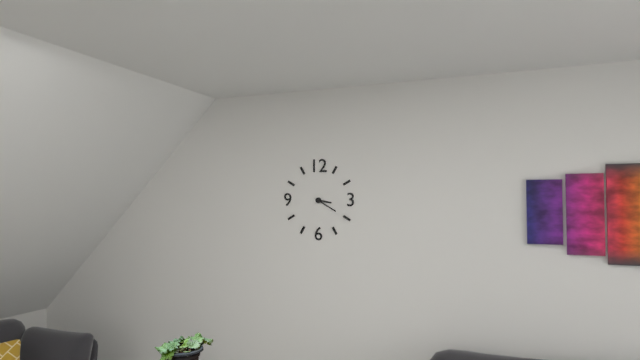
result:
3.20
